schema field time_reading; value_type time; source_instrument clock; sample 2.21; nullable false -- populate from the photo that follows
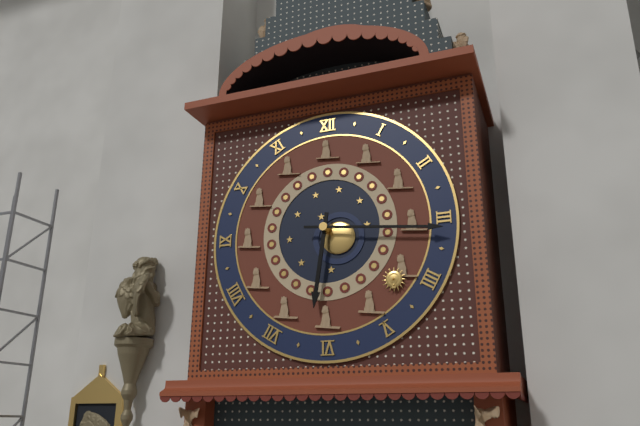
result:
6.16
